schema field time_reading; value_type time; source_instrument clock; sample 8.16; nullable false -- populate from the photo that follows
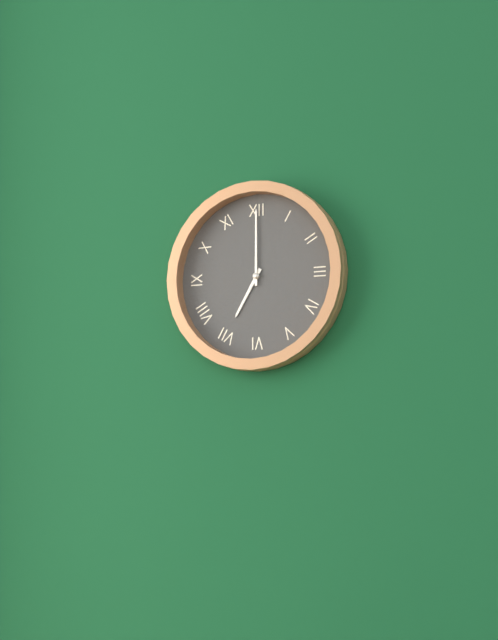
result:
7.00
